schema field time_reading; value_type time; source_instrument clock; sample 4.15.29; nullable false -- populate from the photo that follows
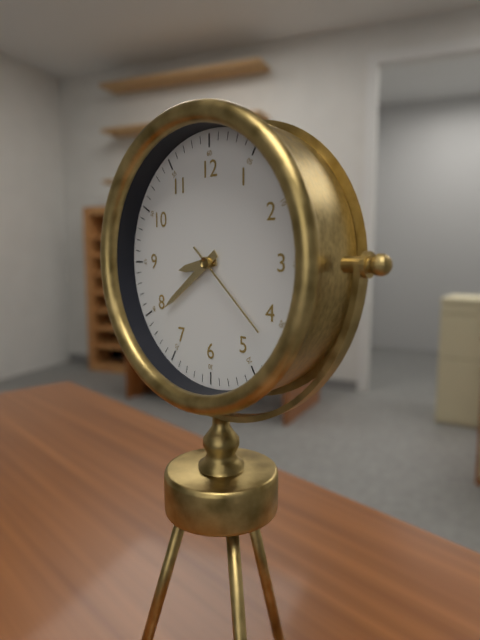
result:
8.39.22
